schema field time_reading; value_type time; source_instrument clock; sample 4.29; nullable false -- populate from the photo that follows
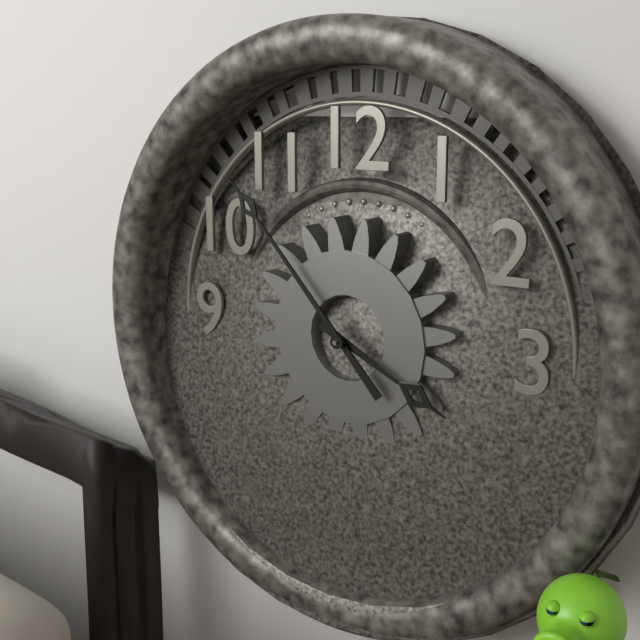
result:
3.53
